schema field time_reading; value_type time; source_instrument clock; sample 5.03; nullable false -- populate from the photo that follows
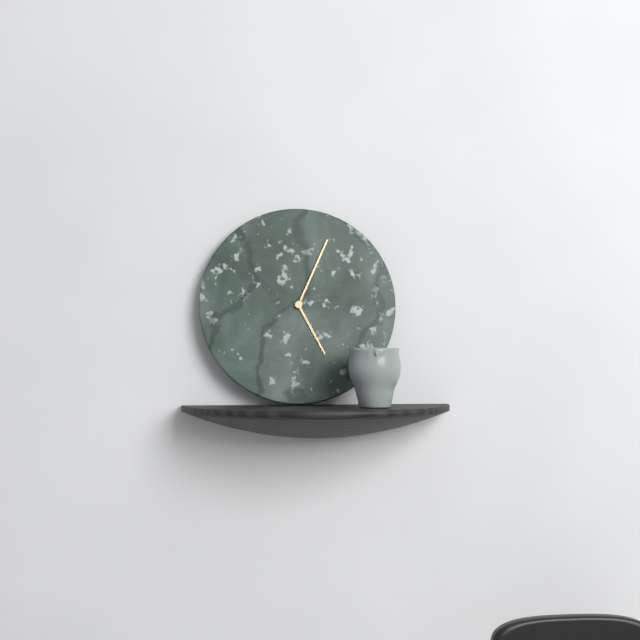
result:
5.04
